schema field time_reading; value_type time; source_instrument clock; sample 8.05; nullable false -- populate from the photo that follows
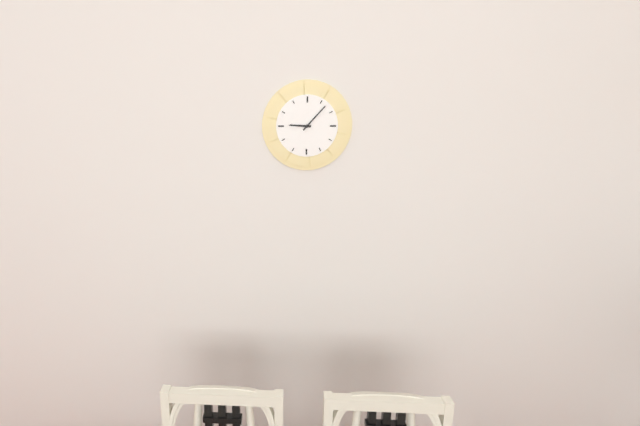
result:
9.07
